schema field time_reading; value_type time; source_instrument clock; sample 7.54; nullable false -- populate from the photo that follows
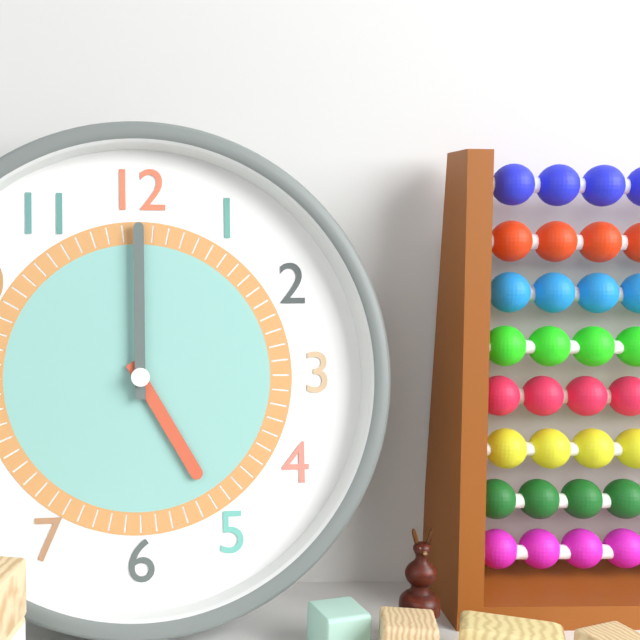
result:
5.00
